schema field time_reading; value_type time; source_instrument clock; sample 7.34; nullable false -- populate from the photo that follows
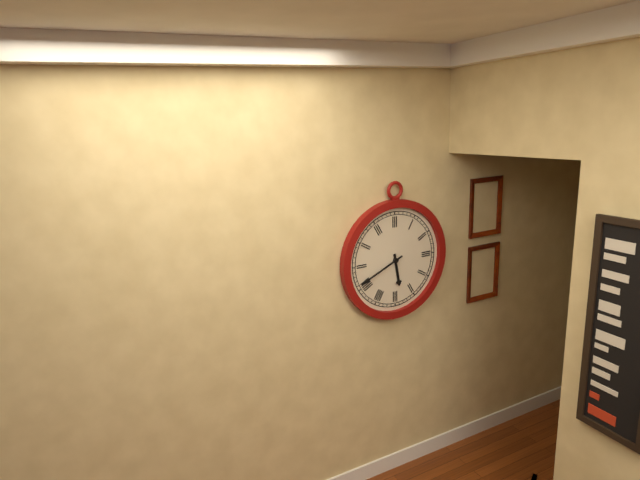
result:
5.41
